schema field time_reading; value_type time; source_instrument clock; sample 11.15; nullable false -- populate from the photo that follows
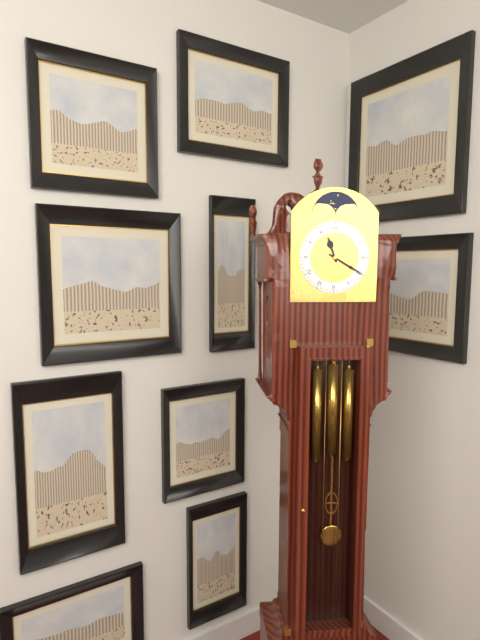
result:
11.20
